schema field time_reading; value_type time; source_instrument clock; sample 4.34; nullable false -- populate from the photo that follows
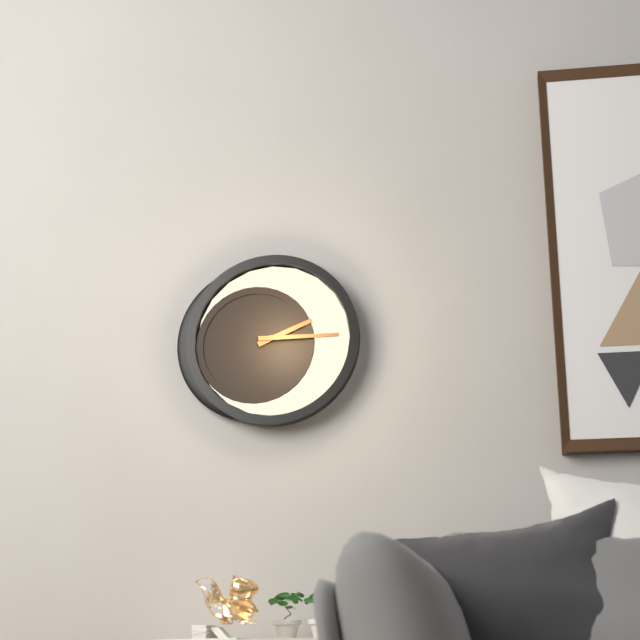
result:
2.15
